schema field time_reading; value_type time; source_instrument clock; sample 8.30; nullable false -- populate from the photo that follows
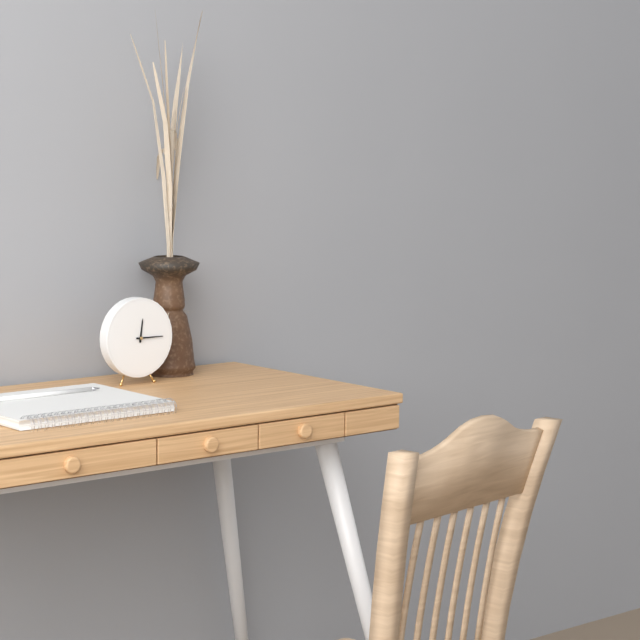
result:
12.15
